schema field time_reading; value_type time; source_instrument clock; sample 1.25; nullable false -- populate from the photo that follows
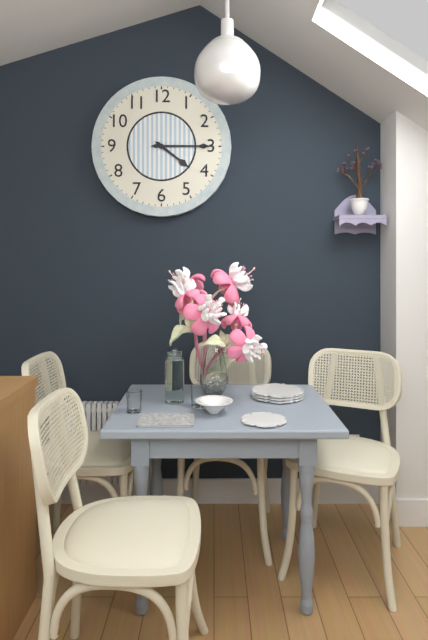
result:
4.15
